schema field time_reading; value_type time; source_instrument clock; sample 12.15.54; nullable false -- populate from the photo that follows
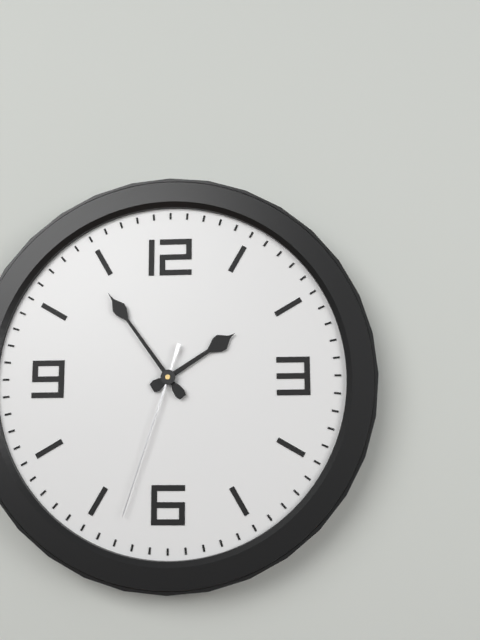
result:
1.54.33
